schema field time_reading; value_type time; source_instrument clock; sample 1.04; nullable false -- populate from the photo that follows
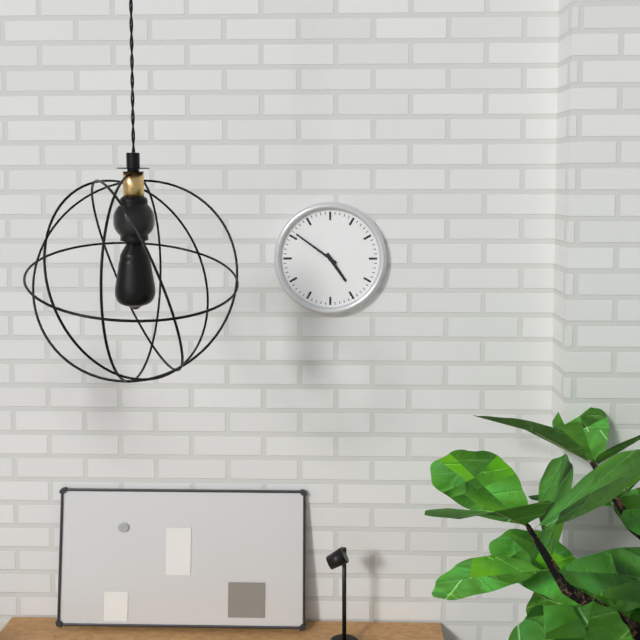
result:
4.51
